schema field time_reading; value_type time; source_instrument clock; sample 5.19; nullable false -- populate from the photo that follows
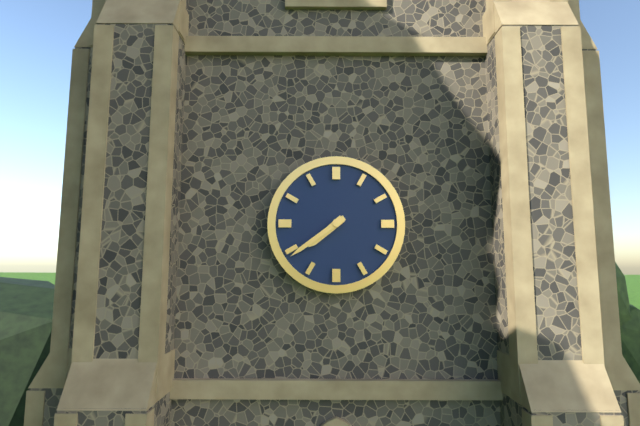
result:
7.39
